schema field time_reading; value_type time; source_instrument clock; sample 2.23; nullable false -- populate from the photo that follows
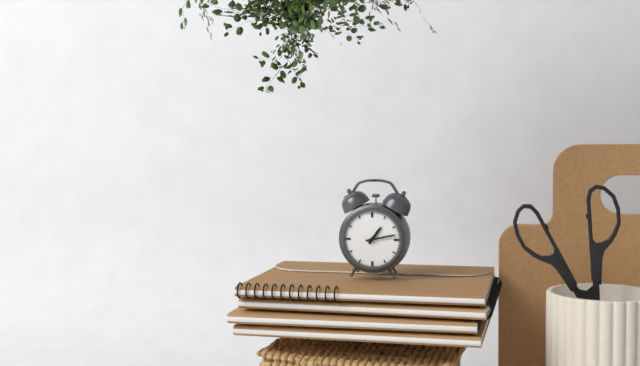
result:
1.13
